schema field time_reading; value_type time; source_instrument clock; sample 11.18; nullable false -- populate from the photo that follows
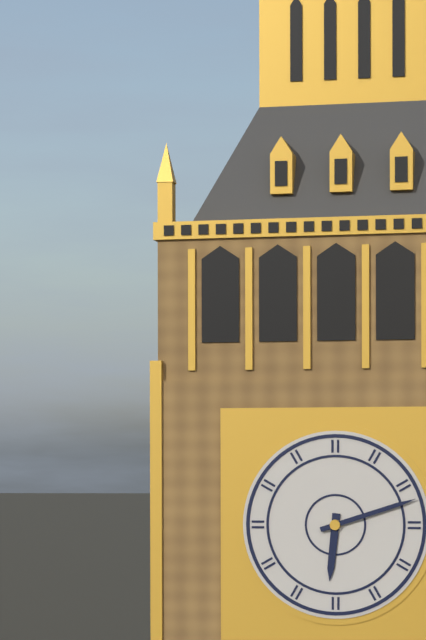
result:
6.12
